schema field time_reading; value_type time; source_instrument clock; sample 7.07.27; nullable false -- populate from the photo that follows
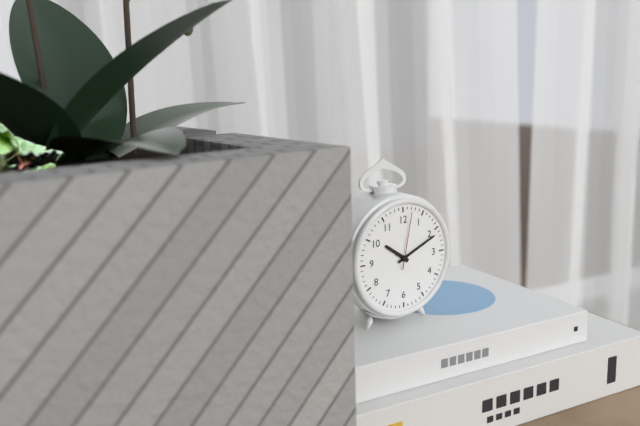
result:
10.11.02
